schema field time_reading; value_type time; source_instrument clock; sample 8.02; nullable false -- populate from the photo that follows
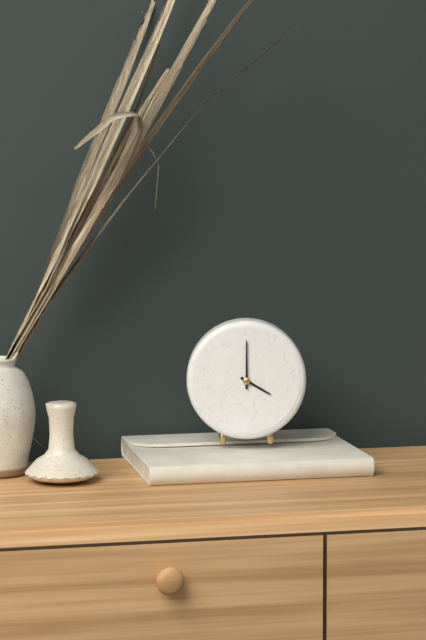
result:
4.00
